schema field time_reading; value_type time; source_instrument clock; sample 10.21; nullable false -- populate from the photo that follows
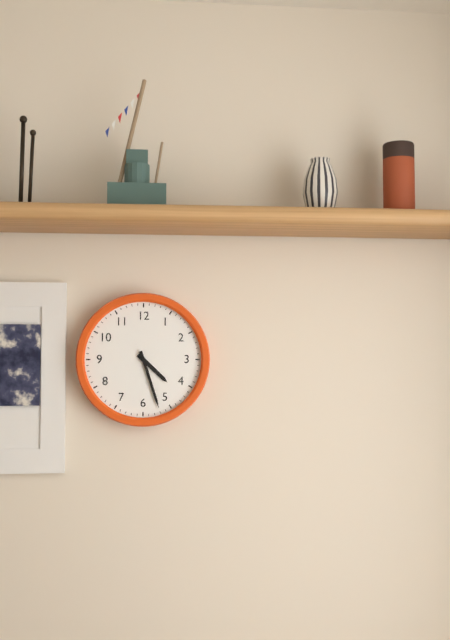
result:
4.27
